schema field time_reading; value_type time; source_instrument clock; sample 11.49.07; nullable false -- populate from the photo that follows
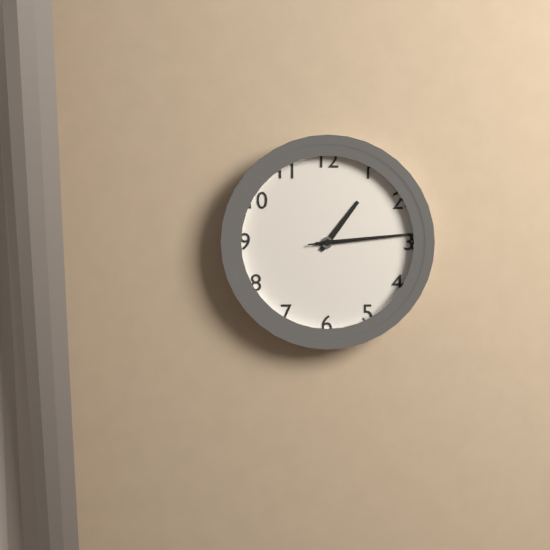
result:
1.14.14
